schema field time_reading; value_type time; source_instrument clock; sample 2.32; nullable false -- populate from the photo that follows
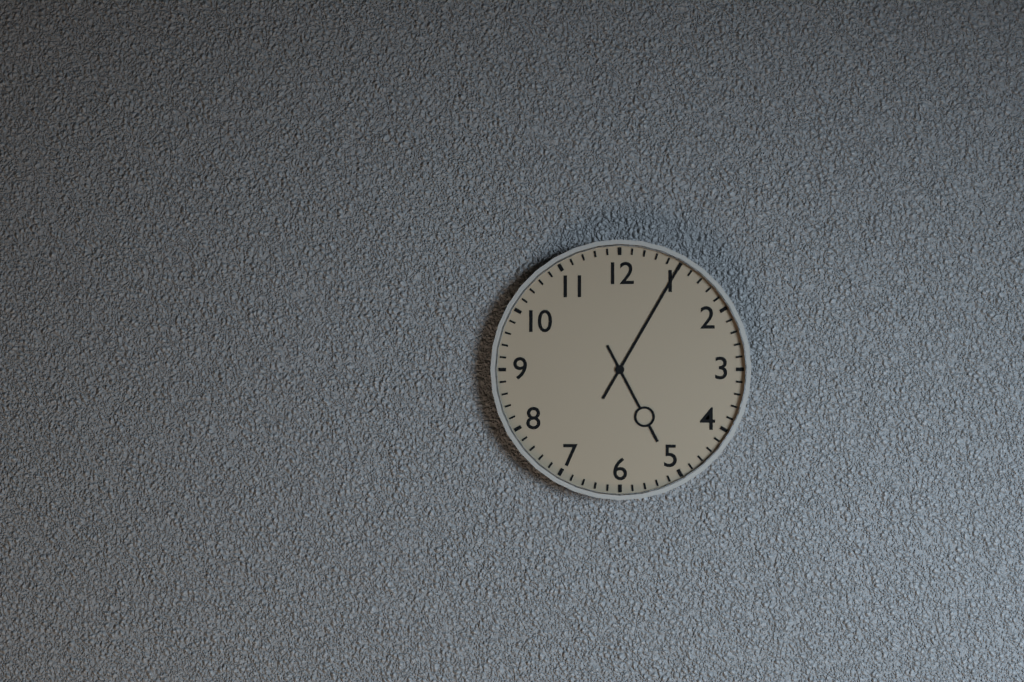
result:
5.05
